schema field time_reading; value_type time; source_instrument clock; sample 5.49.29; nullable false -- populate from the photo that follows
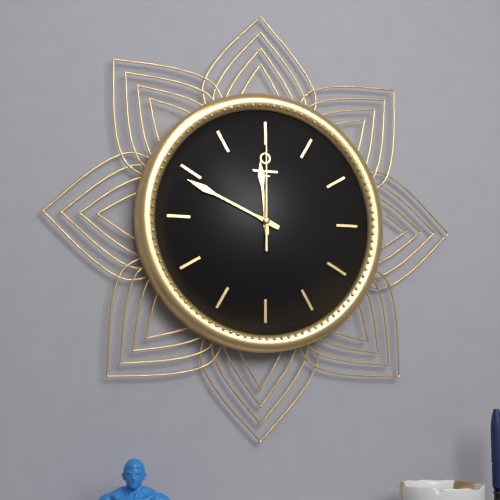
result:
11.49.00
